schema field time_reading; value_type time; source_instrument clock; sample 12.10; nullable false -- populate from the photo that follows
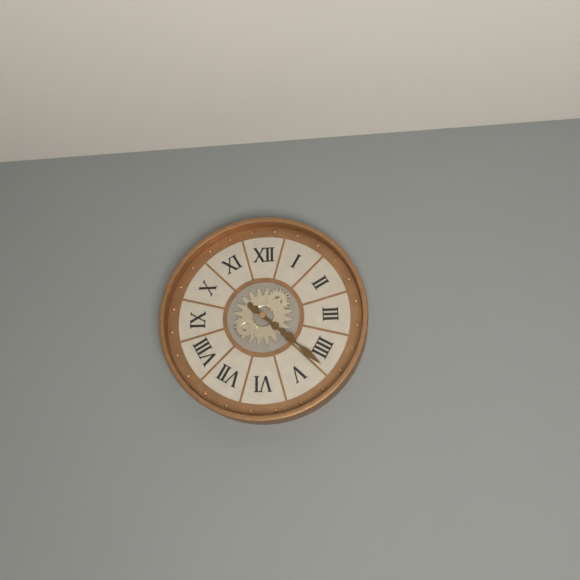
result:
4.22
